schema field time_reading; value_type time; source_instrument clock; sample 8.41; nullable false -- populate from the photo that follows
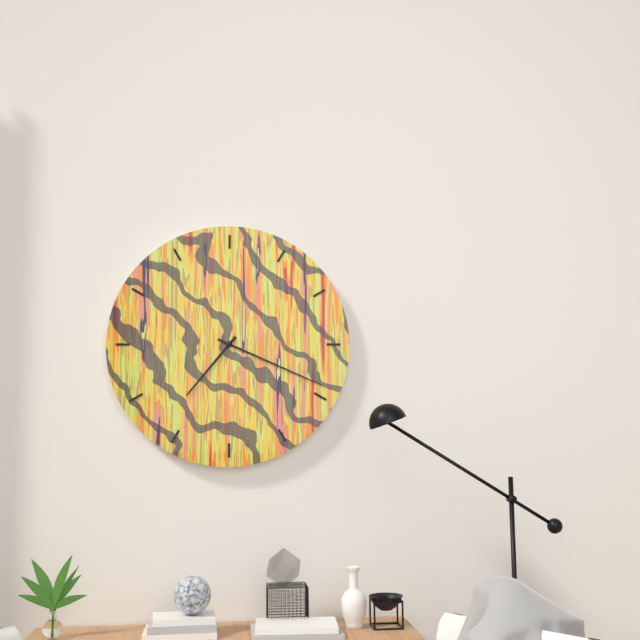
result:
7.19
